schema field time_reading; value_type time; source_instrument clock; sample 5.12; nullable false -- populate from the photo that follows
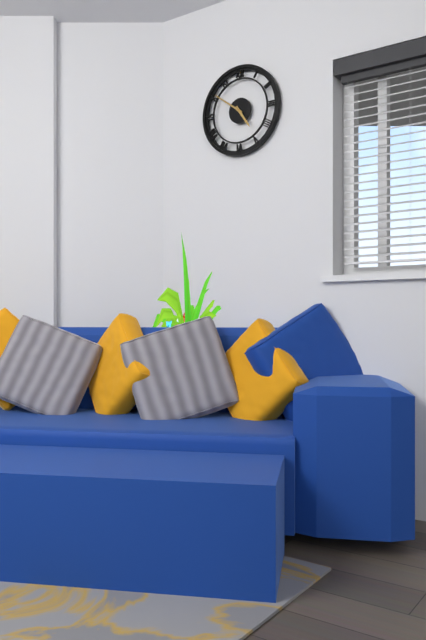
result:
4.51
